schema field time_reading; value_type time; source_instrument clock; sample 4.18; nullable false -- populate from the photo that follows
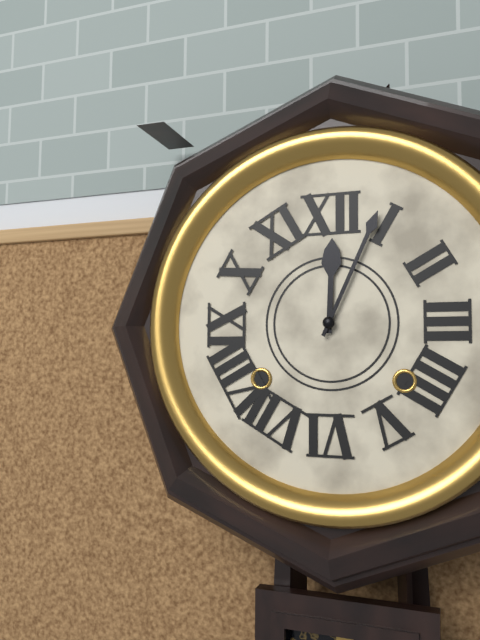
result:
12.04
